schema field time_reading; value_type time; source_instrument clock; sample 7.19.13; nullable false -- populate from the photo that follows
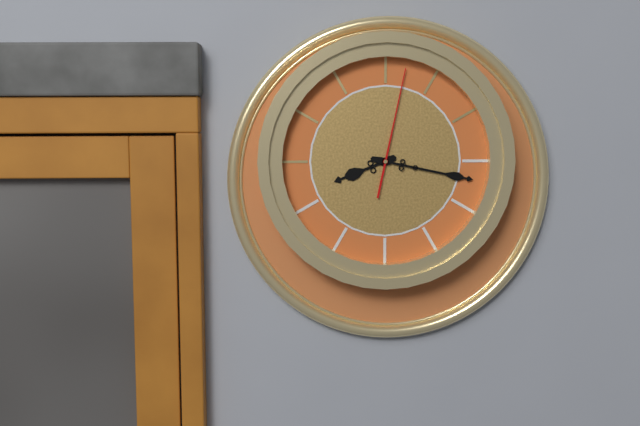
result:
8.17.02
